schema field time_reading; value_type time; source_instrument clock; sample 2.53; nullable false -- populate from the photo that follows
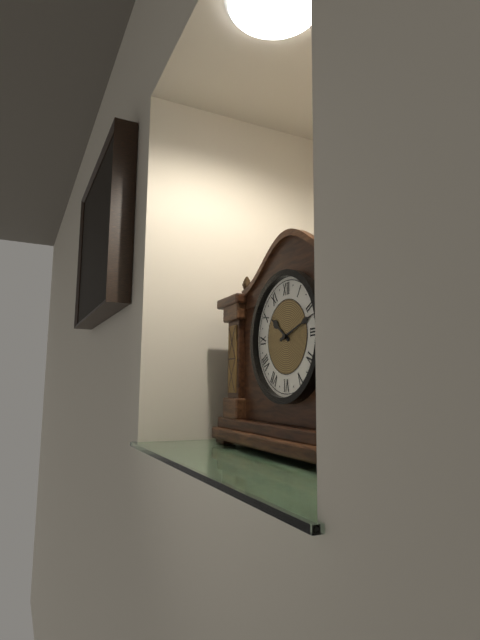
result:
10.12
